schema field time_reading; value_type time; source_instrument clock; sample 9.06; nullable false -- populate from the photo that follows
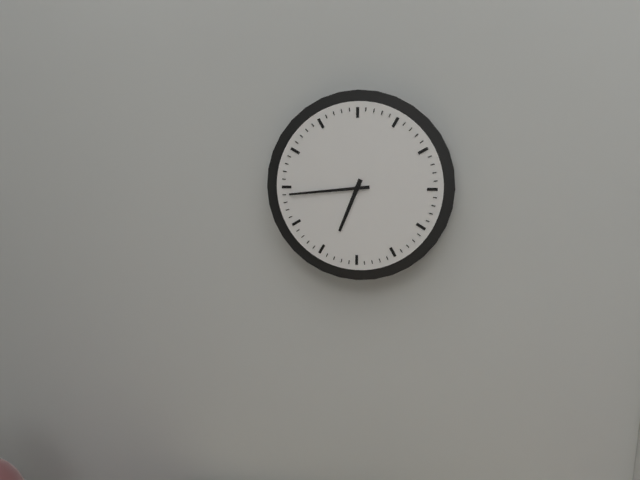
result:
6.44
